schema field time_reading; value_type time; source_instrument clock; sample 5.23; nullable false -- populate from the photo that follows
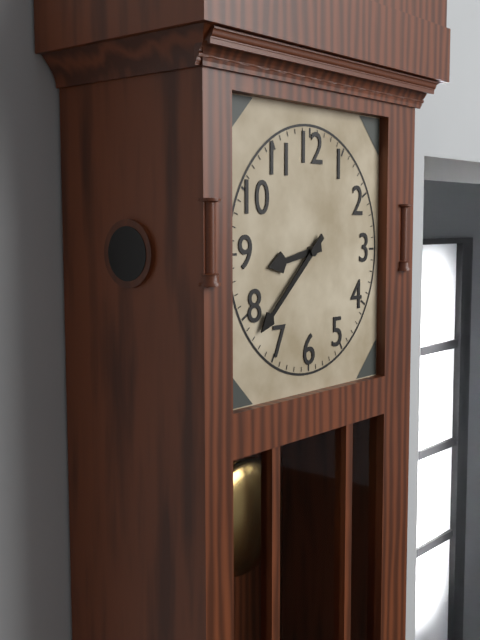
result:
8.38
